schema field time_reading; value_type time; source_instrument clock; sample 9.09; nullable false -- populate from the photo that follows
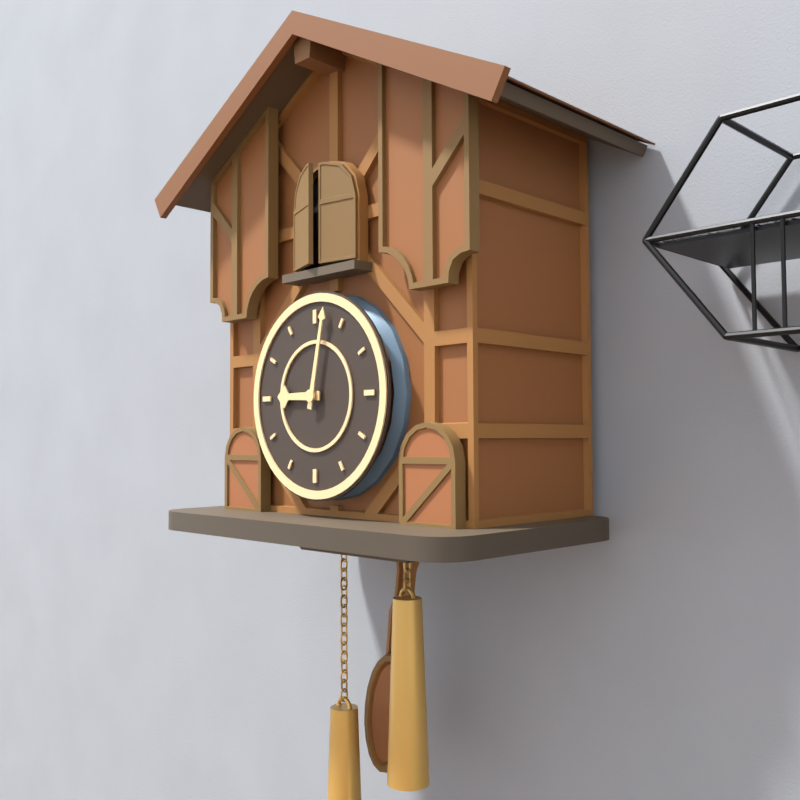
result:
9.02
